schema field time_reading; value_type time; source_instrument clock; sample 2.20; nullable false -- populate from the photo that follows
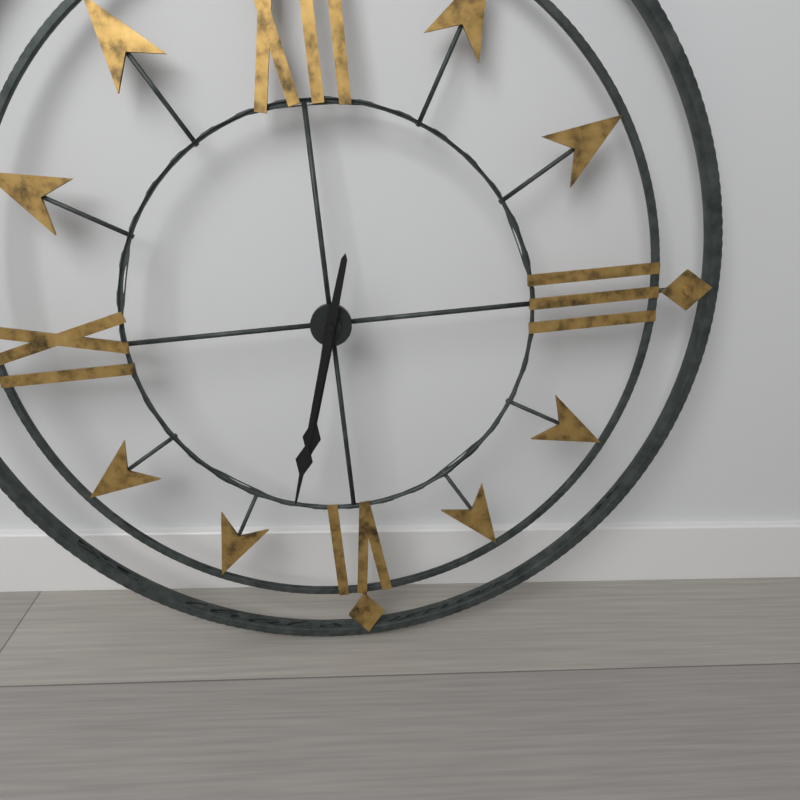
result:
6.33
